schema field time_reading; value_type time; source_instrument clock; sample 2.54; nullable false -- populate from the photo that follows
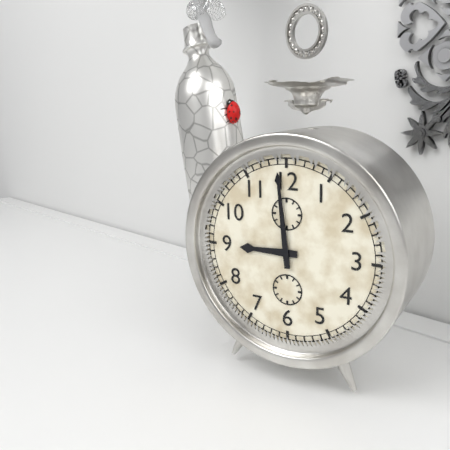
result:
8.59
